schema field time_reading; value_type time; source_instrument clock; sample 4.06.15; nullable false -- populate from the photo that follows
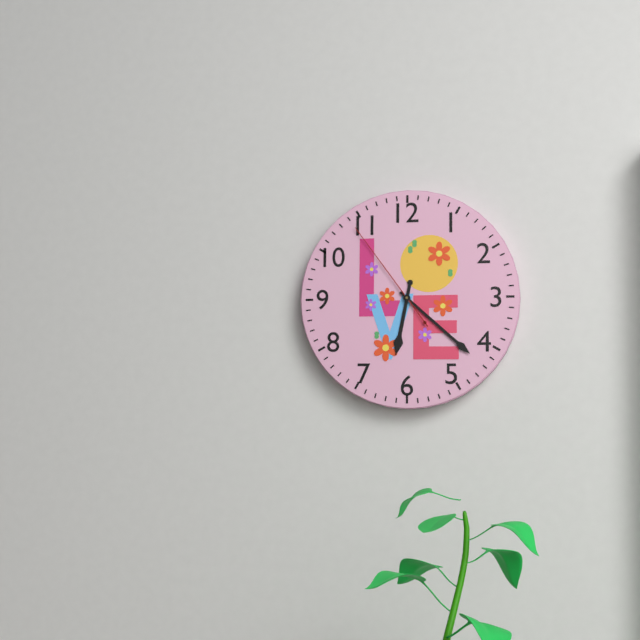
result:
6.22.54
